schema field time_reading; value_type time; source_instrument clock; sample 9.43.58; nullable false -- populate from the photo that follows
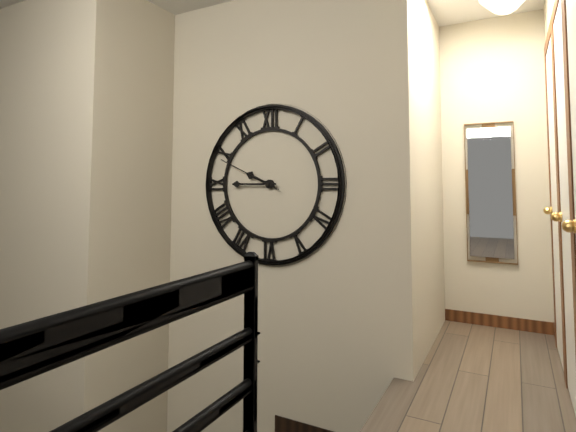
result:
9.45.49
